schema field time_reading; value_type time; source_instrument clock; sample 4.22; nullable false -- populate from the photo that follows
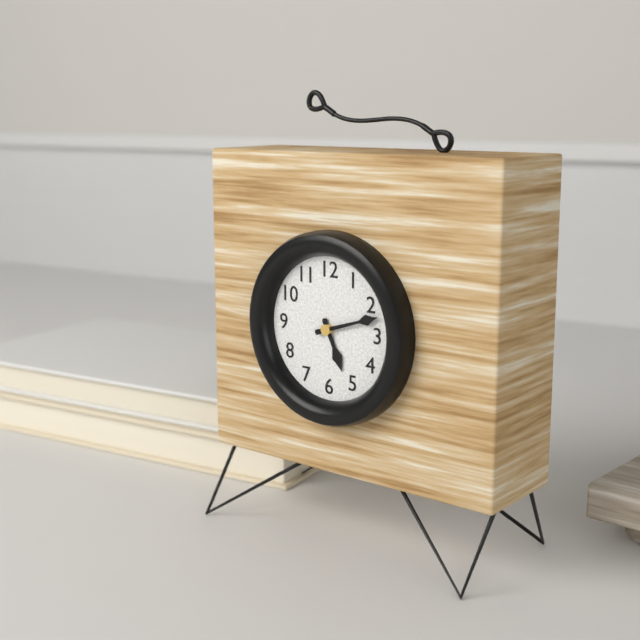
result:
5.12
